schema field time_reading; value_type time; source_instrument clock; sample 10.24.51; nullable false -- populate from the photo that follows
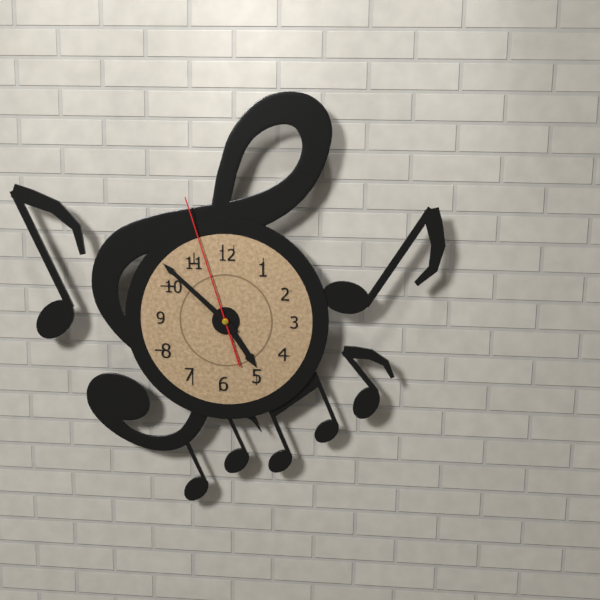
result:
4.52.57
